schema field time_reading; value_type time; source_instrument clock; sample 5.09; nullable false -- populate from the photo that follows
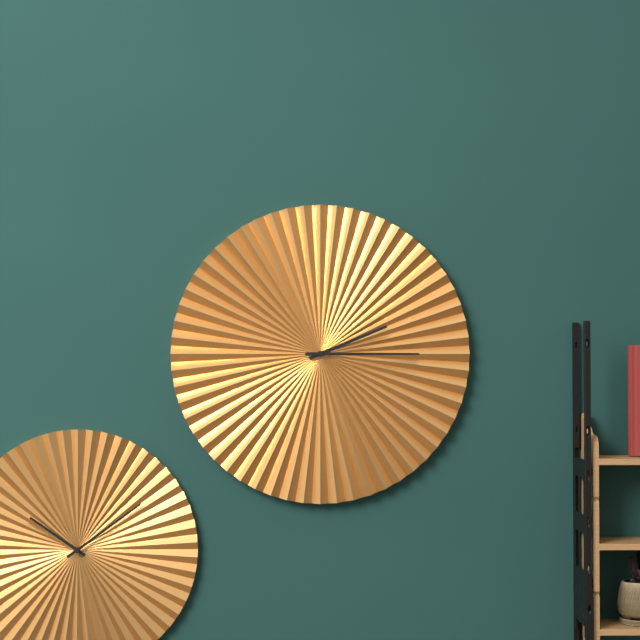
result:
2.15
